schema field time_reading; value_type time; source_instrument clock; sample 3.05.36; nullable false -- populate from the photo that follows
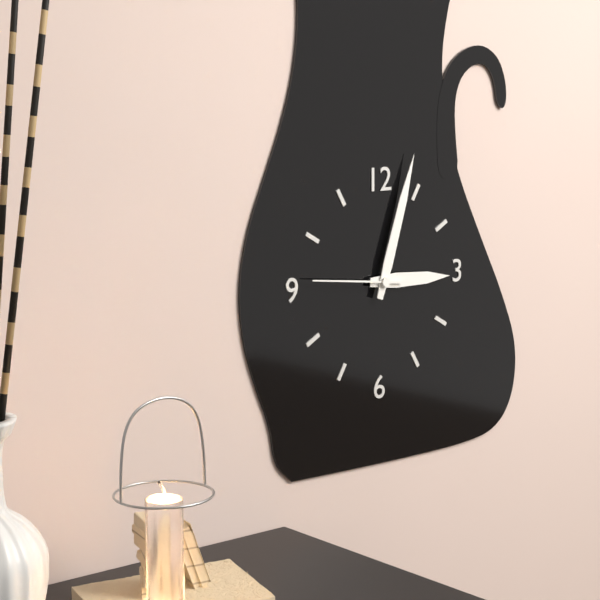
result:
3.03.46
